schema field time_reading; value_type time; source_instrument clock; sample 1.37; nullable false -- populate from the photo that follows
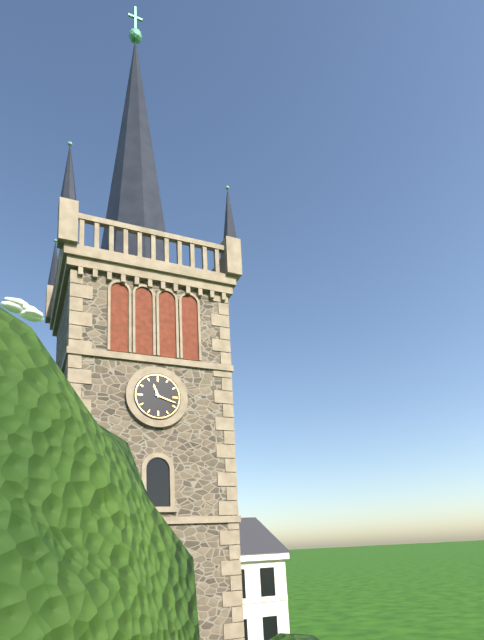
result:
11.18
